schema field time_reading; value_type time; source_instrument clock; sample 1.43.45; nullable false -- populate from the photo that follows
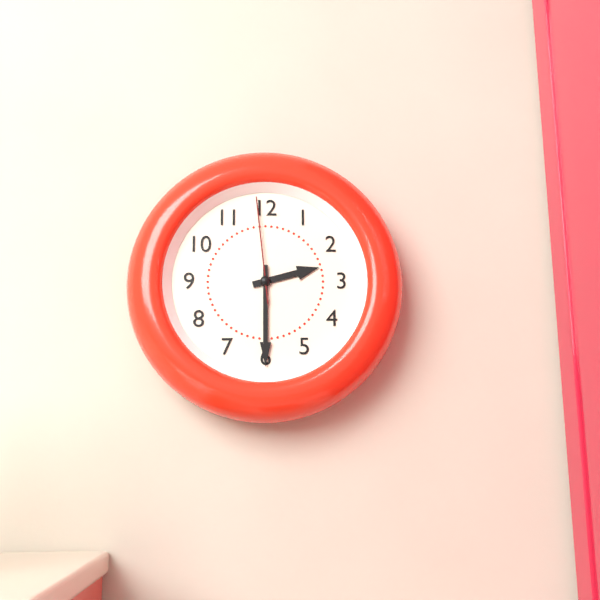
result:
2.30.59
